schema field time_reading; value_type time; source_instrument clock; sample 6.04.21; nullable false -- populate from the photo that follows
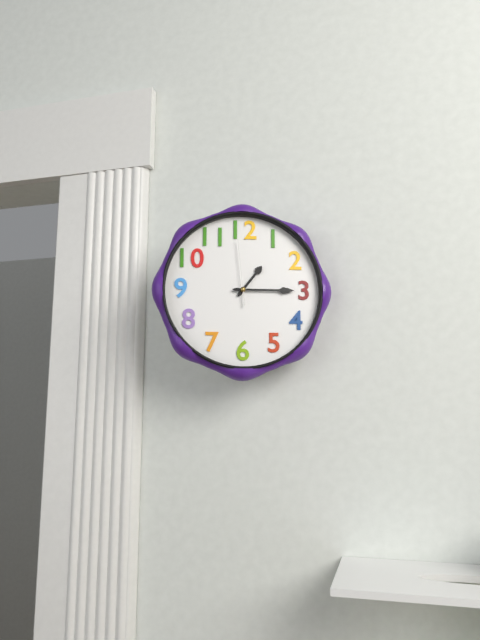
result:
1.15.59
